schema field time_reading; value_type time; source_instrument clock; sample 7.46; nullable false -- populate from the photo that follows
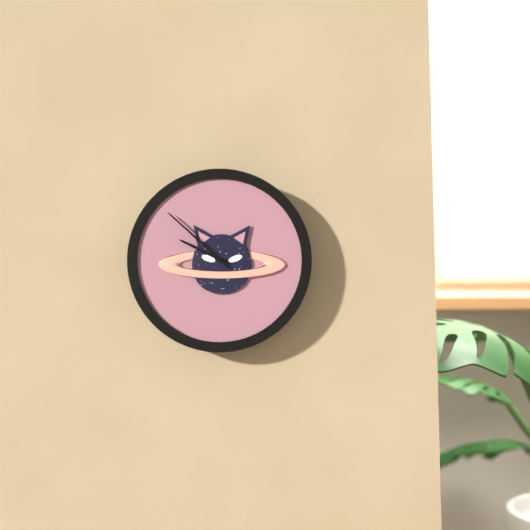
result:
9.52
